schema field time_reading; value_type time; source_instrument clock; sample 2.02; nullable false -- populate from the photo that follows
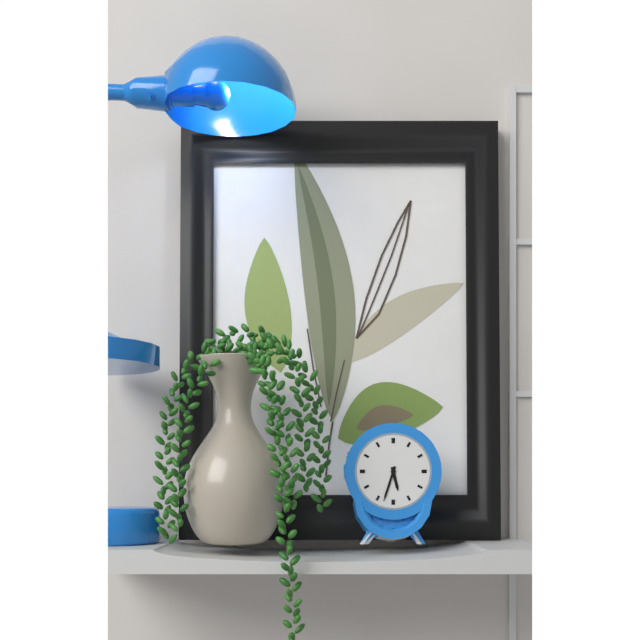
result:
5.33
